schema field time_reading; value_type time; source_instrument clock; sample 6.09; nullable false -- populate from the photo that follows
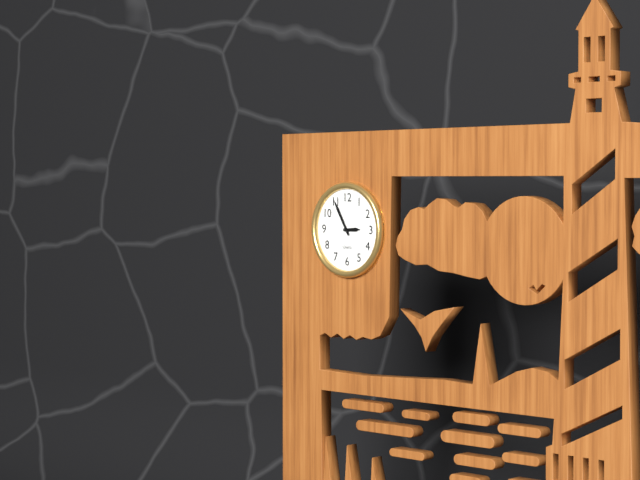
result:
2.55
